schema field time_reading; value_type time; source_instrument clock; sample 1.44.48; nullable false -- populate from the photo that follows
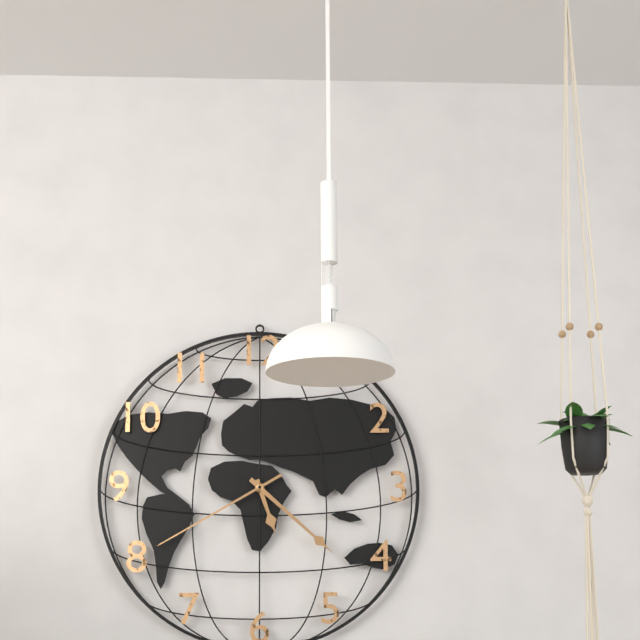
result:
5.22.40
